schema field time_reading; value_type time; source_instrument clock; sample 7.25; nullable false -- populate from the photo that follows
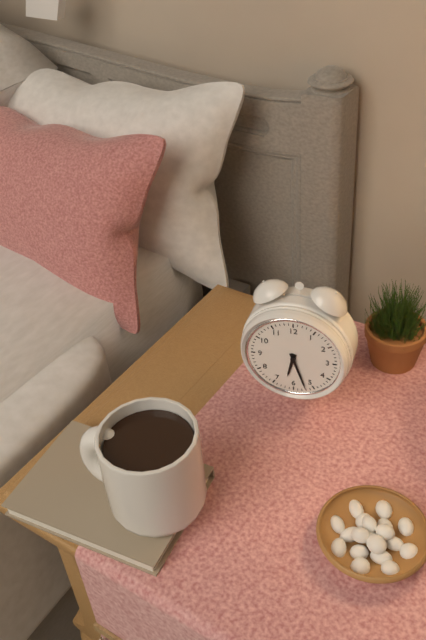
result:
6.27
